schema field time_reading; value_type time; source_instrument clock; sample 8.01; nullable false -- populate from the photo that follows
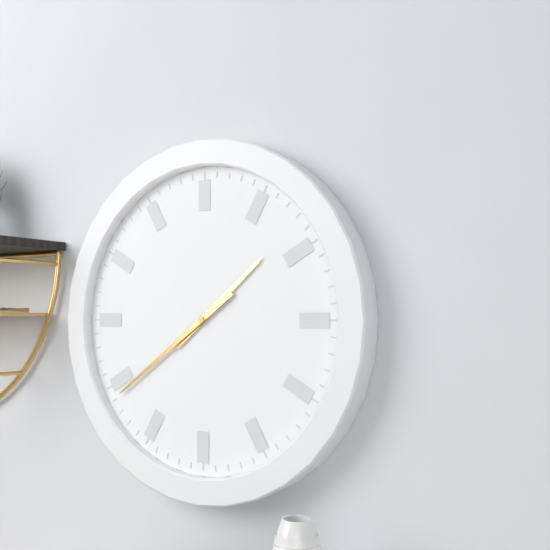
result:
1.39
